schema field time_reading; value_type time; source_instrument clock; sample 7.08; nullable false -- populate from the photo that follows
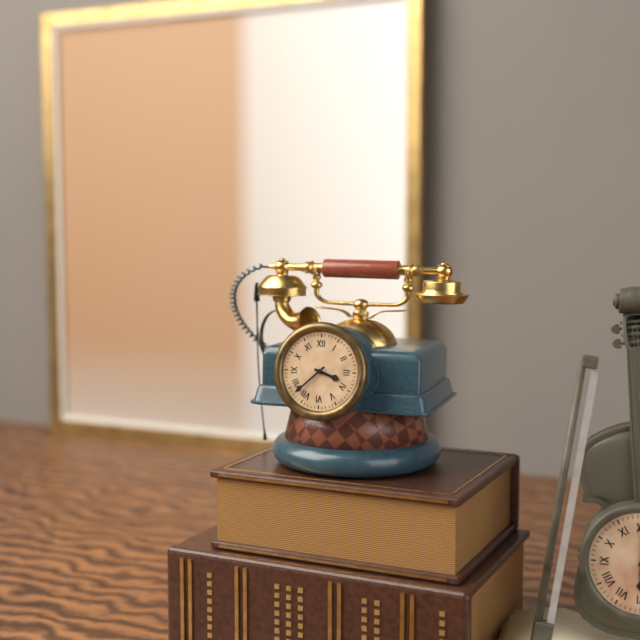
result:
3.38
